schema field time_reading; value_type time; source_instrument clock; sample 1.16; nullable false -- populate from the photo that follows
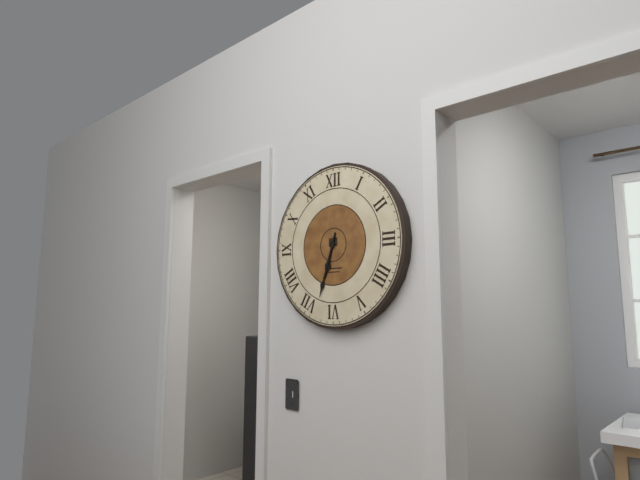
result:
6.33
